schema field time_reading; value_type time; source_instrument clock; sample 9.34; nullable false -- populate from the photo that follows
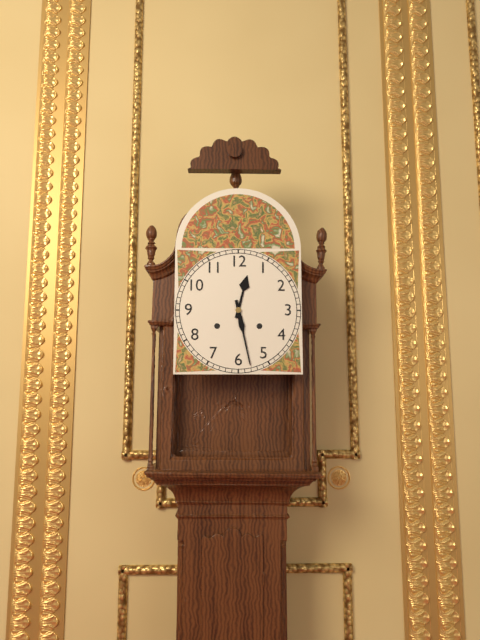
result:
12.28
